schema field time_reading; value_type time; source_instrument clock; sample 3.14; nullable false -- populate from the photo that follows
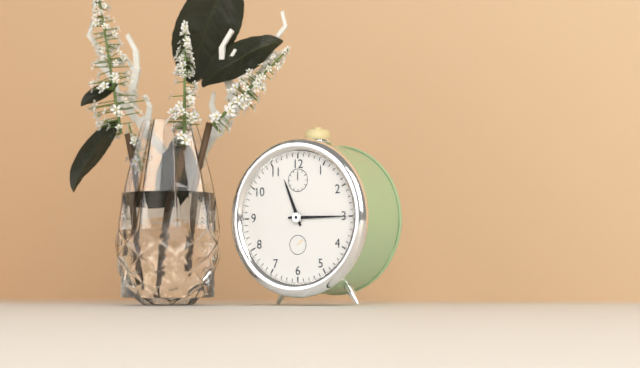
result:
11.15
